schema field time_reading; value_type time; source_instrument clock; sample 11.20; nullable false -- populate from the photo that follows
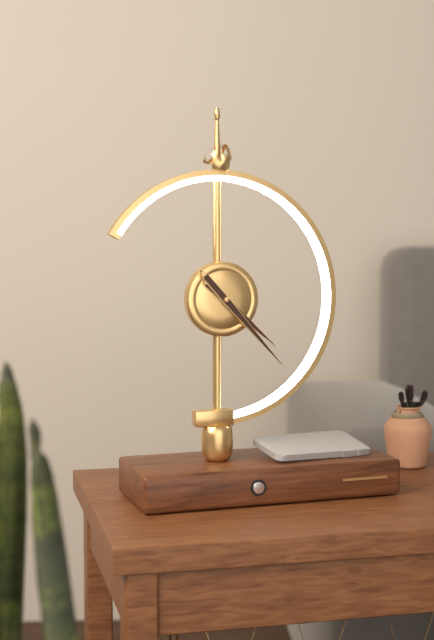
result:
4.23
